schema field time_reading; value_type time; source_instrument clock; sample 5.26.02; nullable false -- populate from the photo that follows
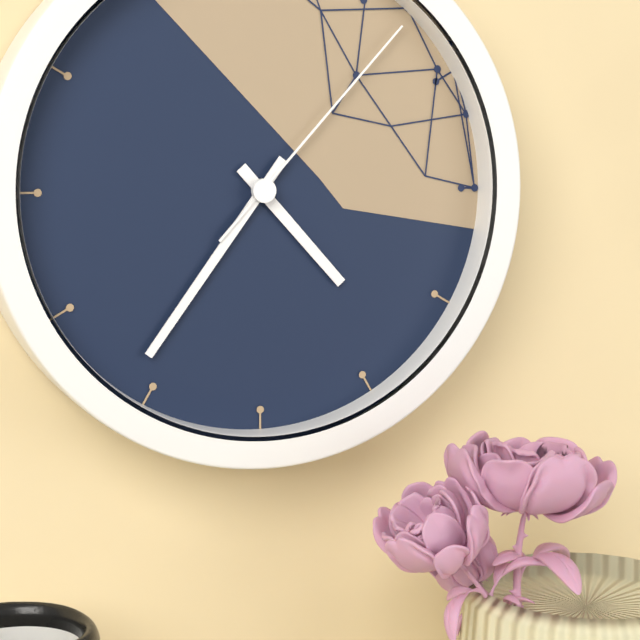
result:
4.36.07
